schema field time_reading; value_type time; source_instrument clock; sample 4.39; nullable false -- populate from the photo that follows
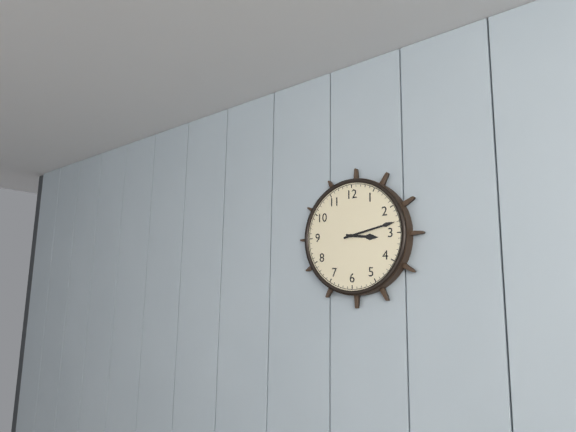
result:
3.13
